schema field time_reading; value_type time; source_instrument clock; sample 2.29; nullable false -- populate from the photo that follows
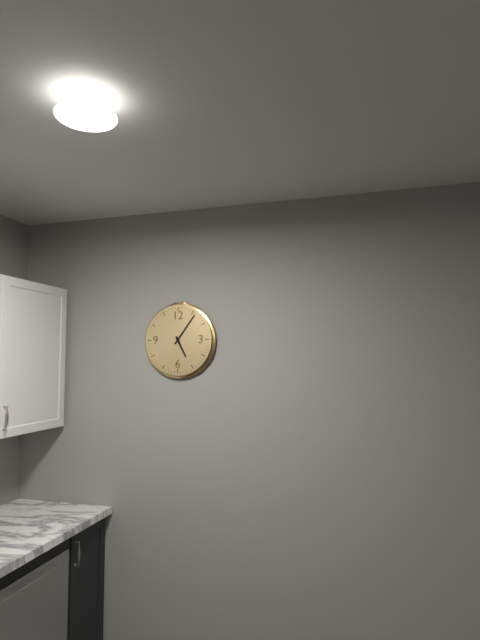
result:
5.06
